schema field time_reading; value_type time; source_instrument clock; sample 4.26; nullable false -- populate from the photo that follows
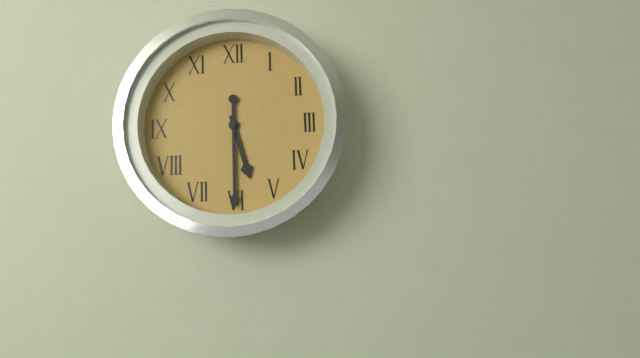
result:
5.30
